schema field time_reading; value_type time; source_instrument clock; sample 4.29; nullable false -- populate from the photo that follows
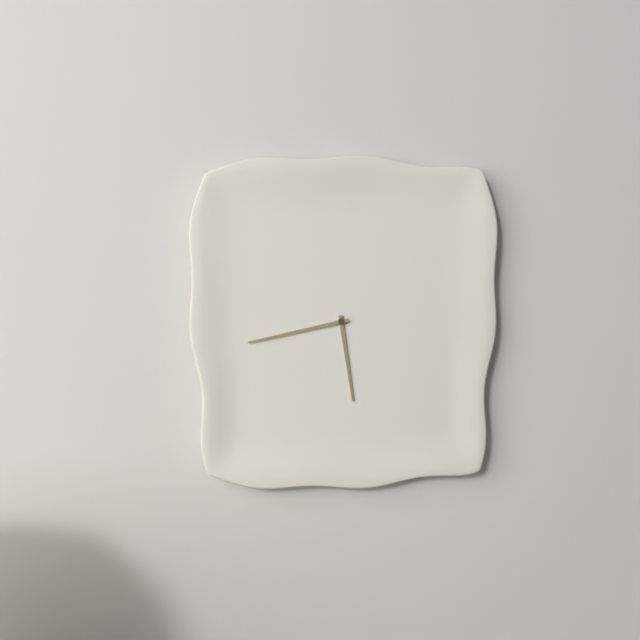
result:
5.43
